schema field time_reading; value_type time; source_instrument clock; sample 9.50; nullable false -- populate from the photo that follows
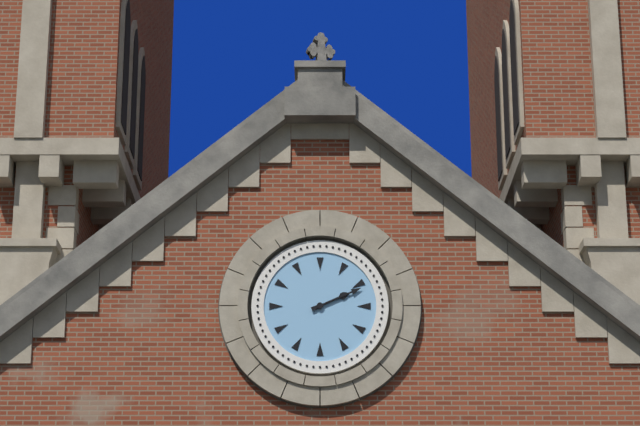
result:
2.11
